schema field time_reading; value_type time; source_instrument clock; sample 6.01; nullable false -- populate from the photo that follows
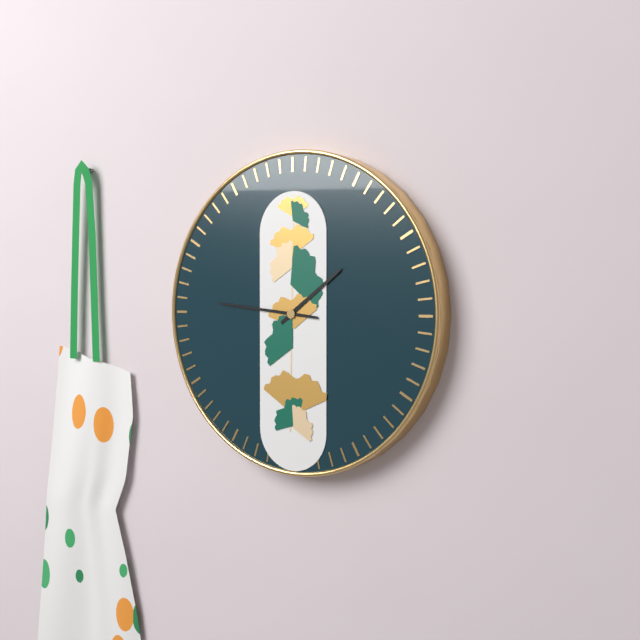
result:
1.46
